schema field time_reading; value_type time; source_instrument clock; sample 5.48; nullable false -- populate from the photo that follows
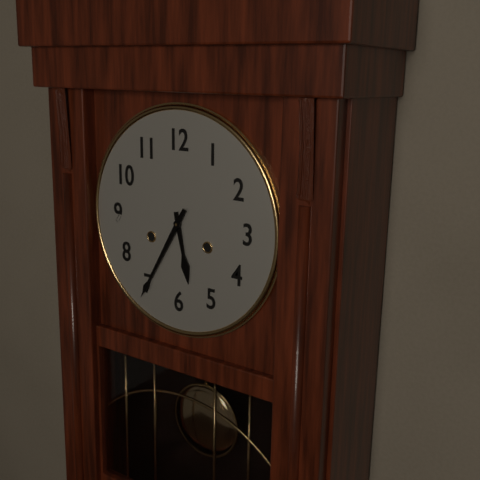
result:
5.35
